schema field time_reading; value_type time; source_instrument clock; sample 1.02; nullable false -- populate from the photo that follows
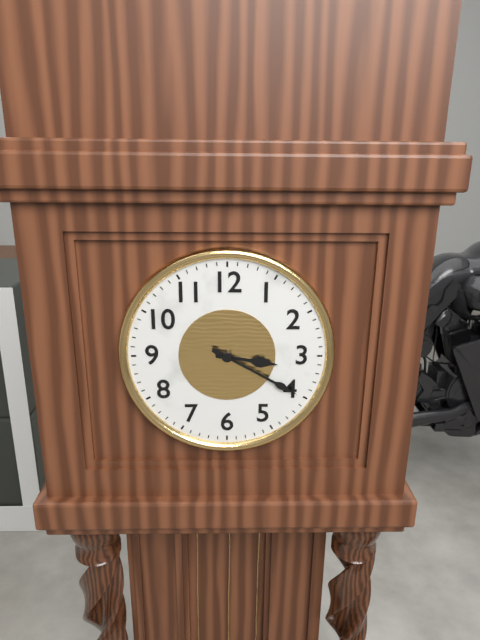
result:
3.20
